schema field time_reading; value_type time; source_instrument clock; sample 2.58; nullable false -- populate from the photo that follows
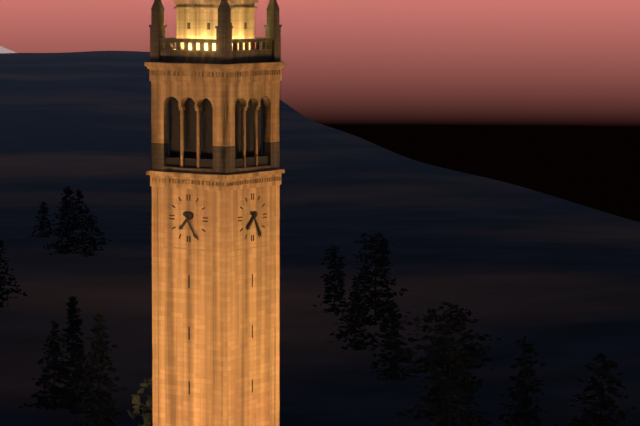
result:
7.25
